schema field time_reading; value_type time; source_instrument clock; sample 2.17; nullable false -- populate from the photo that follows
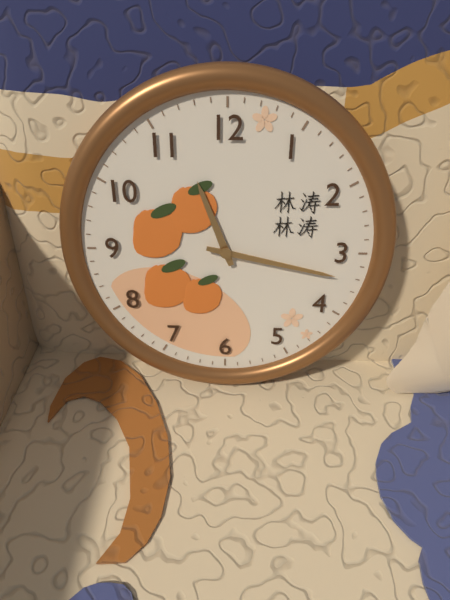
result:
11.17
